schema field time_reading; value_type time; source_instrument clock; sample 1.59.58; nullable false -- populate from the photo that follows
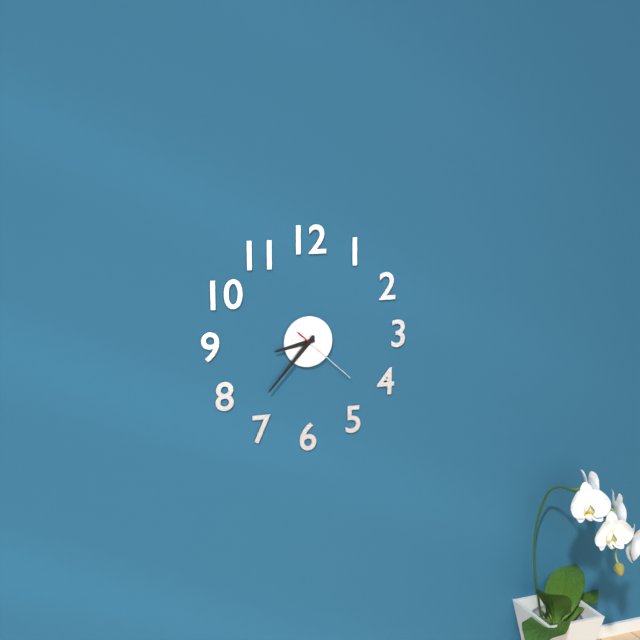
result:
8.37.22
